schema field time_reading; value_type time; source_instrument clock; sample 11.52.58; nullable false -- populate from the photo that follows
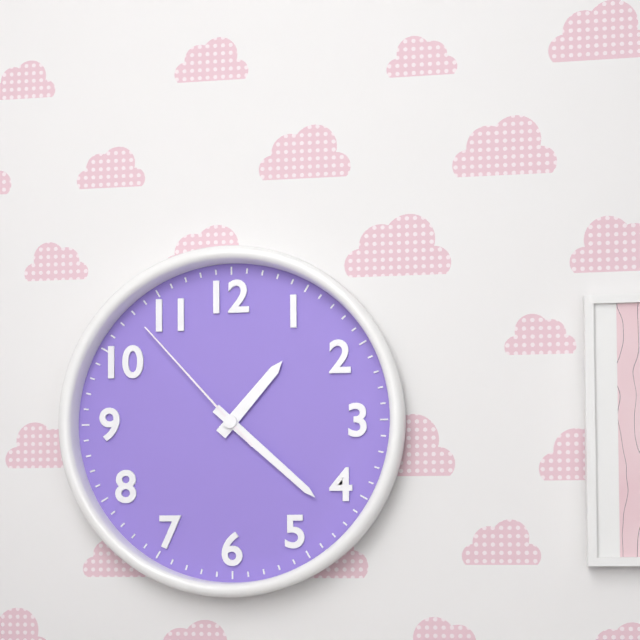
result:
1.22.53
